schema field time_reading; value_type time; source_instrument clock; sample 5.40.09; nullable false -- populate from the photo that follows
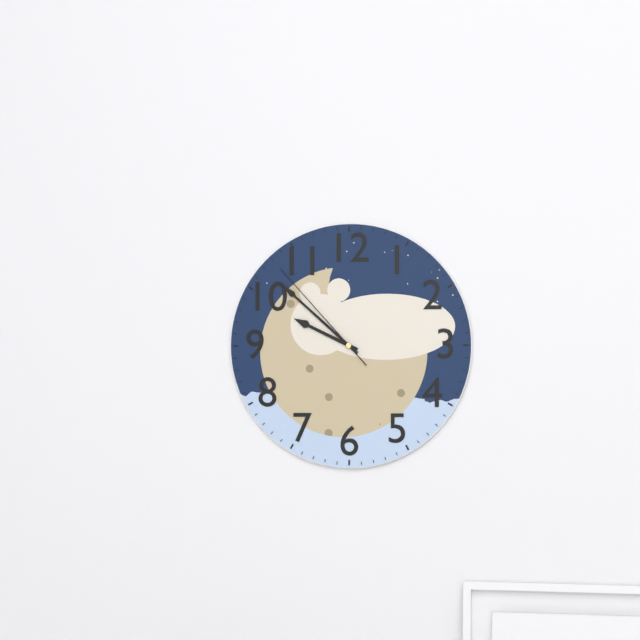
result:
9.52.53
